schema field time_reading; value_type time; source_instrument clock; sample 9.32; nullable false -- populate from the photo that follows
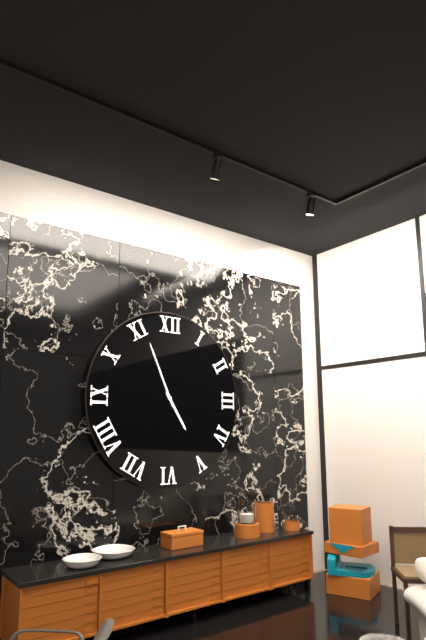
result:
4.56
